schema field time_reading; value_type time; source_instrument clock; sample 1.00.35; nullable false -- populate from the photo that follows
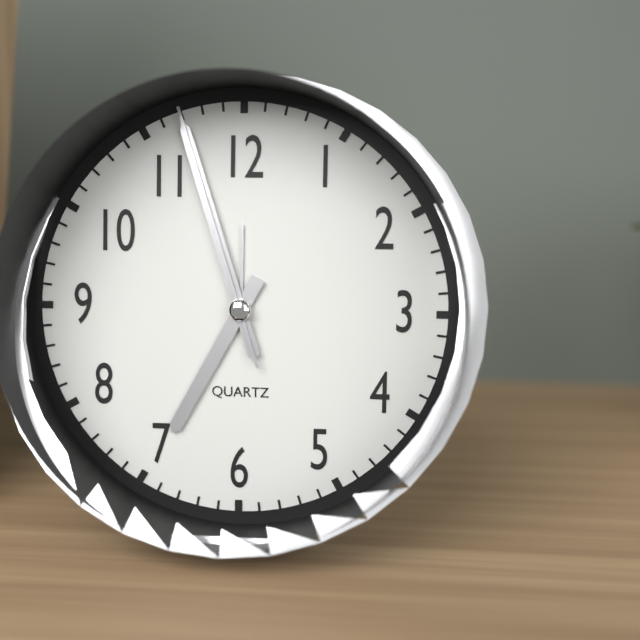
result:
6.57.57
